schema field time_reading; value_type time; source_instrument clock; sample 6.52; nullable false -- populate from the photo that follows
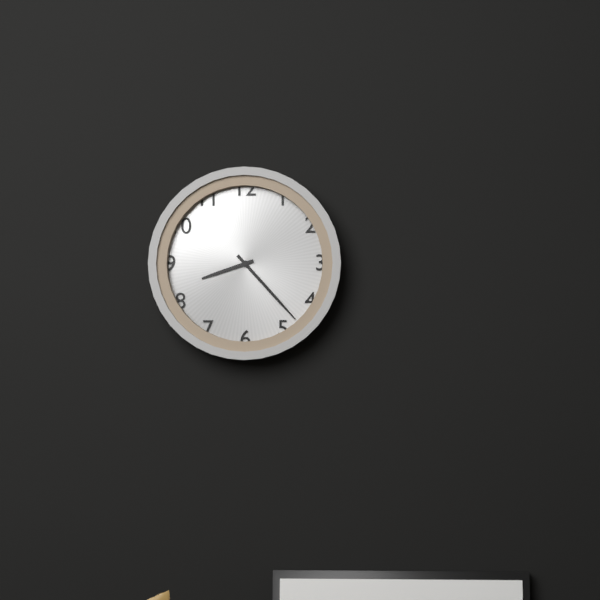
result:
8.23
